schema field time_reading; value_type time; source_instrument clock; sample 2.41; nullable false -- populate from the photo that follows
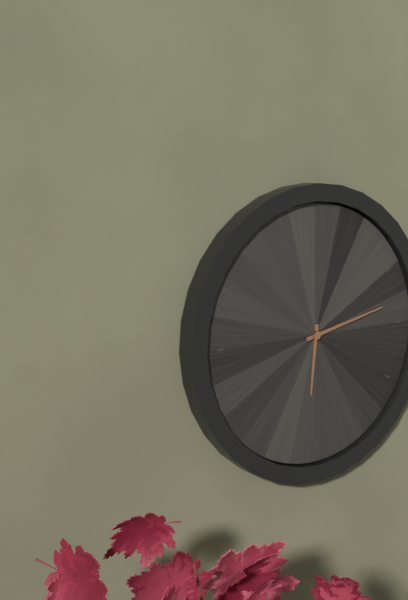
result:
6.13
